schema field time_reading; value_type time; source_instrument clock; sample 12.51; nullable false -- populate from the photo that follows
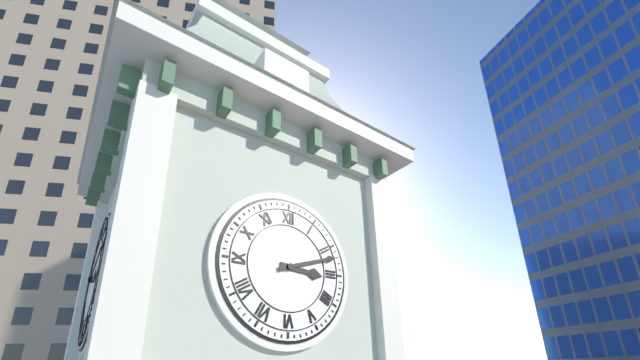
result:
3.12
